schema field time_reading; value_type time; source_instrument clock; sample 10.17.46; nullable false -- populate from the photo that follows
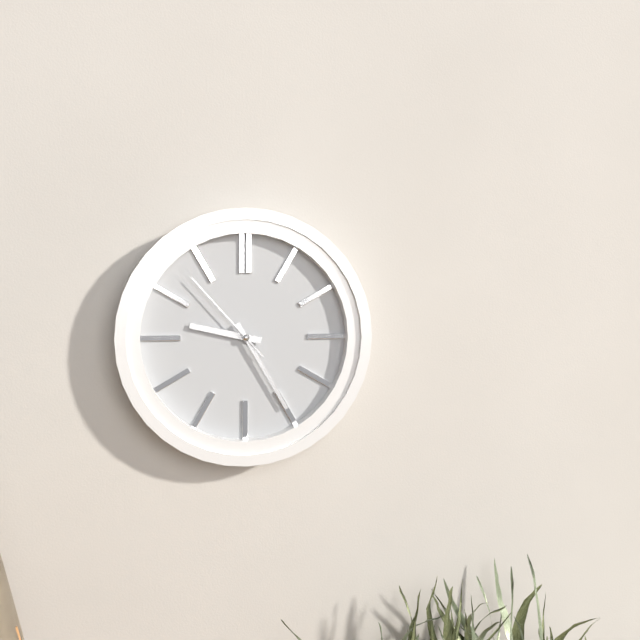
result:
9.25.53
